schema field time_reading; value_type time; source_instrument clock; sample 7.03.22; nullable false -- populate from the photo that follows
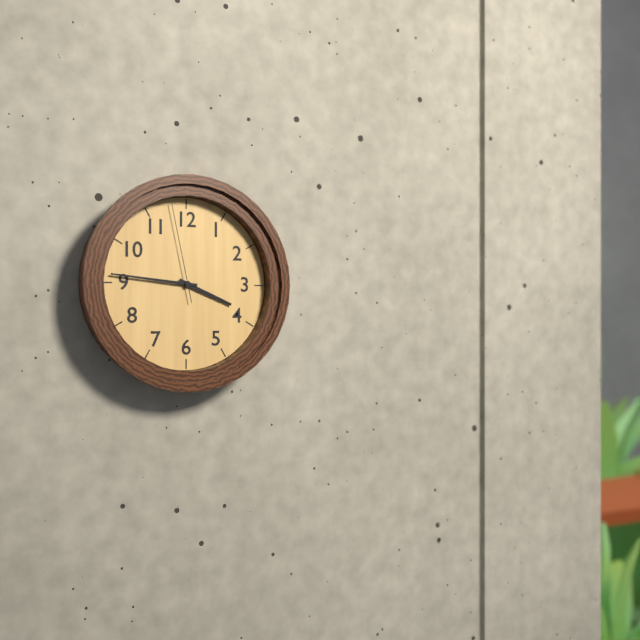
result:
3.46.58
